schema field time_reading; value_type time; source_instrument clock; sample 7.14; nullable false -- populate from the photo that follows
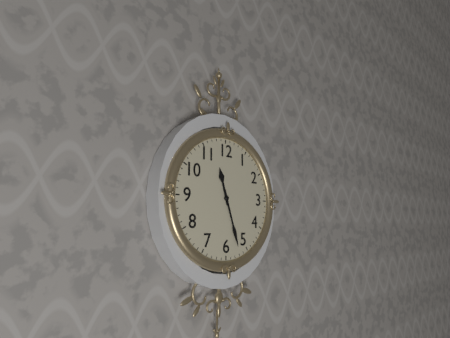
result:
11.27
